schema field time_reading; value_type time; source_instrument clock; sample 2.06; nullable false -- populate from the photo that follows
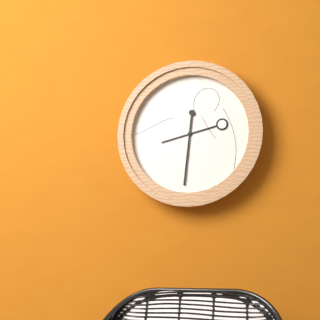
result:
8.31
